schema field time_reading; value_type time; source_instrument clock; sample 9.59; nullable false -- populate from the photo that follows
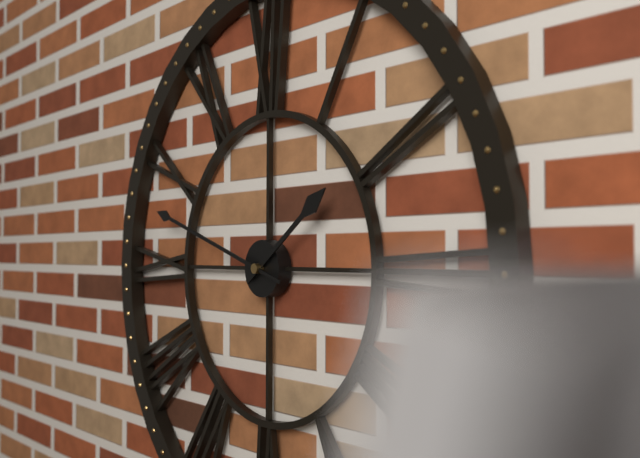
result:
1.48
